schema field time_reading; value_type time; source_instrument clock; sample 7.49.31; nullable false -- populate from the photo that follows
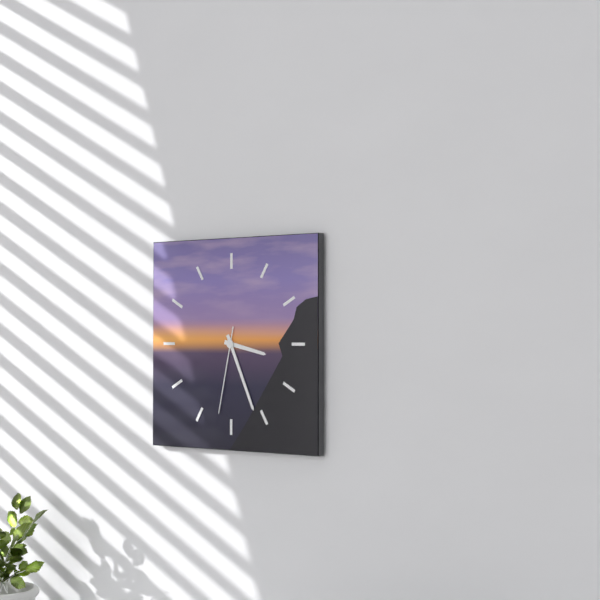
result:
3.26.32
